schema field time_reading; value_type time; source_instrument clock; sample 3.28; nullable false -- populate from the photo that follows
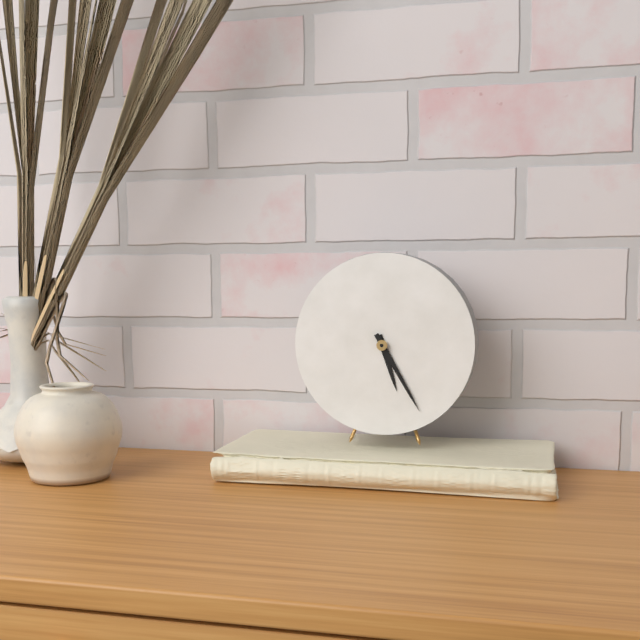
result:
5.25
